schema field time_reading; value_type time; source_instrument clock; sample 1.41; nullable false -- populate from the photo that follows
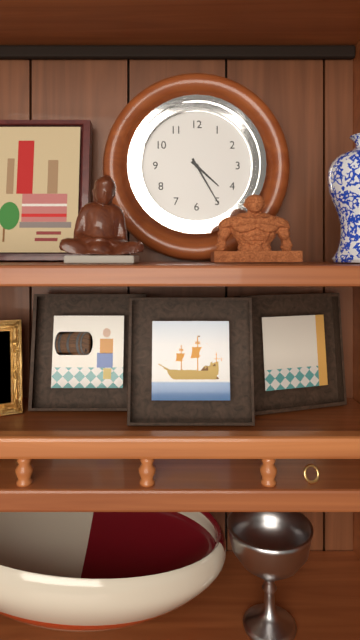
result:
4.25
